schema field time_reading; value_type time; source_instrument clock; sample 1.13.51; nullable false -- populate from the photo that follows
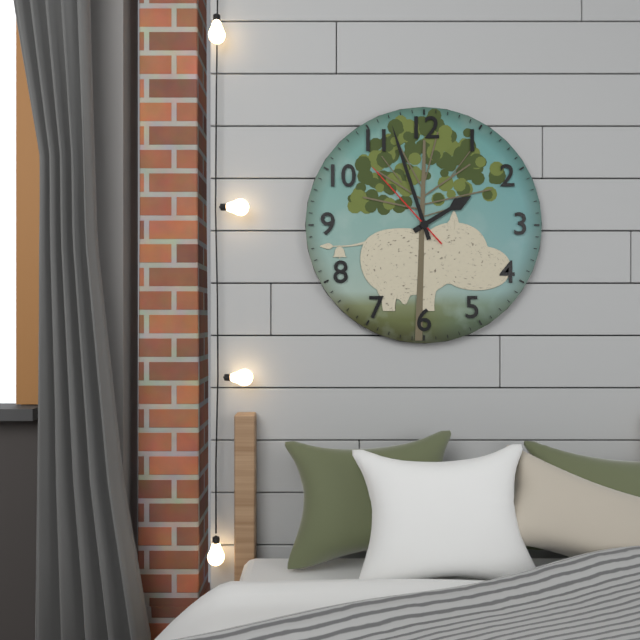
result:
1.57.53
